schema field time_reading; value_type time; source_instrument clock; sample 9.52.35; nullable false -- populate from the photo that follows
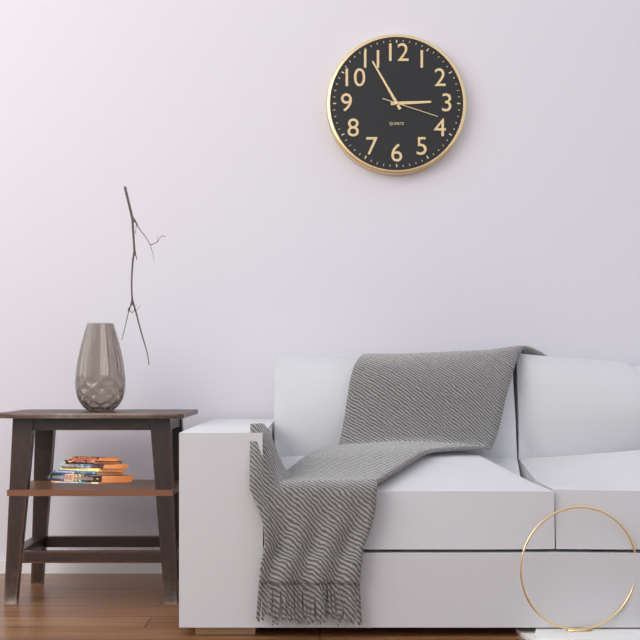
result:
2.55.18
